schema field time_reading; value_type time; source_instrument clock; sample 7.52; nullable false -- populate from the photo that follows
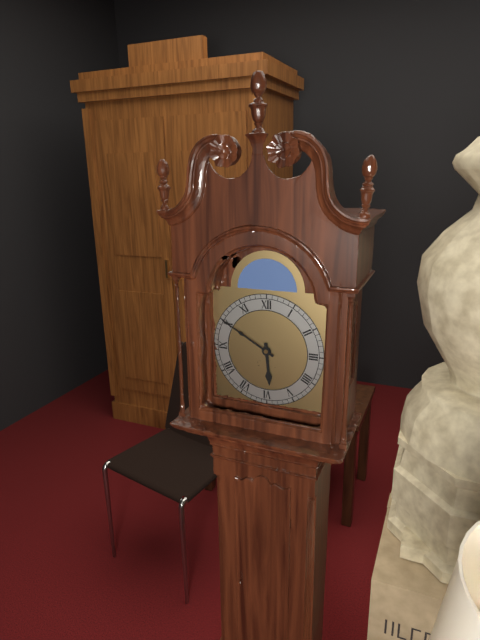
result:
5.50
